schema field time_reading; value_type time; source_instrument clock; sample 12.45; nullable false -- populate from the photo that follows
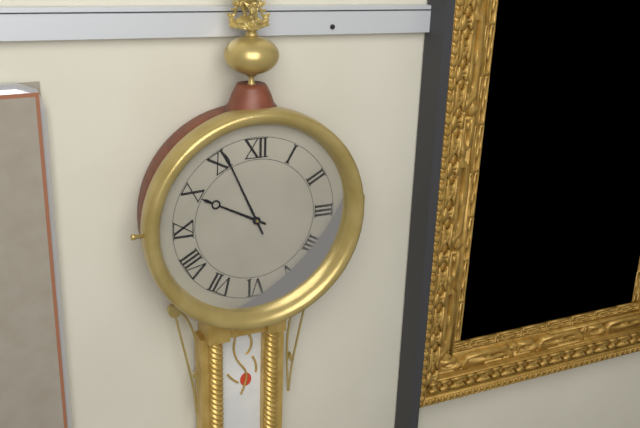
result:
9.56
